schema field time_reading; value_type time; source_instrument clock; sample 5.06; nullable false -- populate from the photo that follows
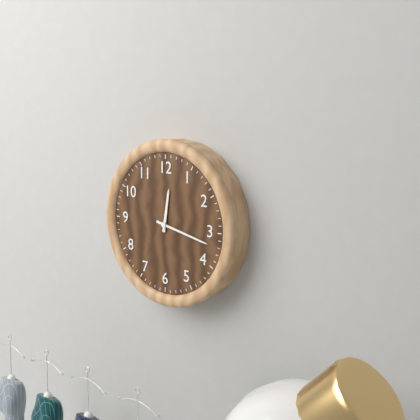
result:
12.17
